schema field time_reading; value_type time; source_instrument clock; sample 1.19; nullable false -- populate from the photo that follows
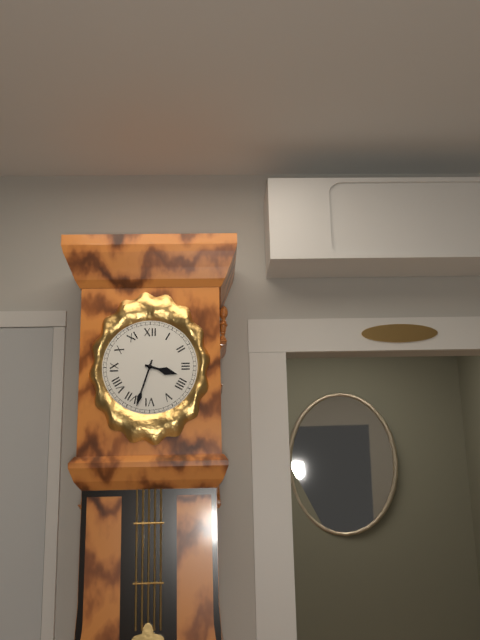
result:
3.33
